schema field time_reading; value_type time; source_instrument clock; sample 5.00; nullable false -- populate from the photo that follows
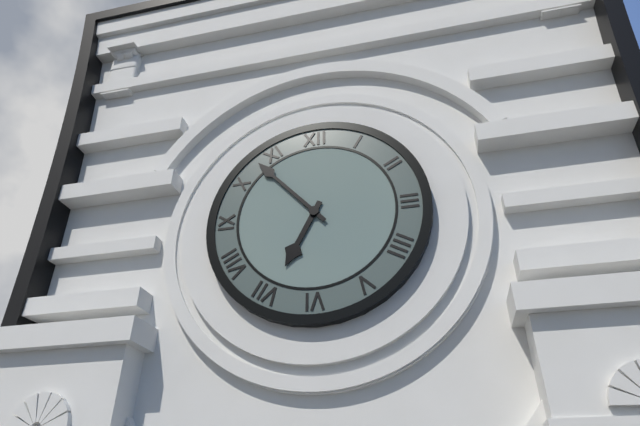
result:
6.53
